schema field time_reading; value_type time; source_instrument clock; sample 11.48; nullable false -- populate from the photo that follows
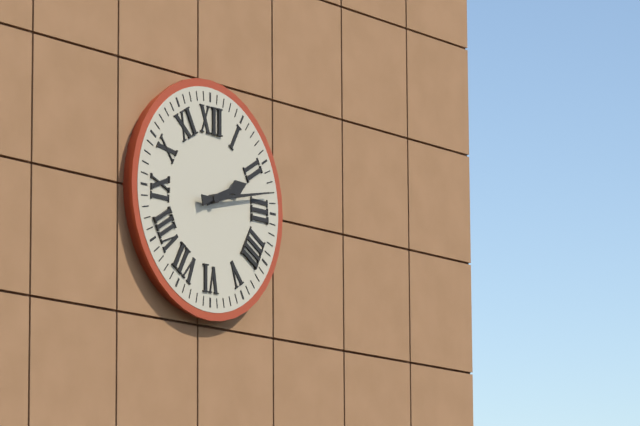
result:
2.13
